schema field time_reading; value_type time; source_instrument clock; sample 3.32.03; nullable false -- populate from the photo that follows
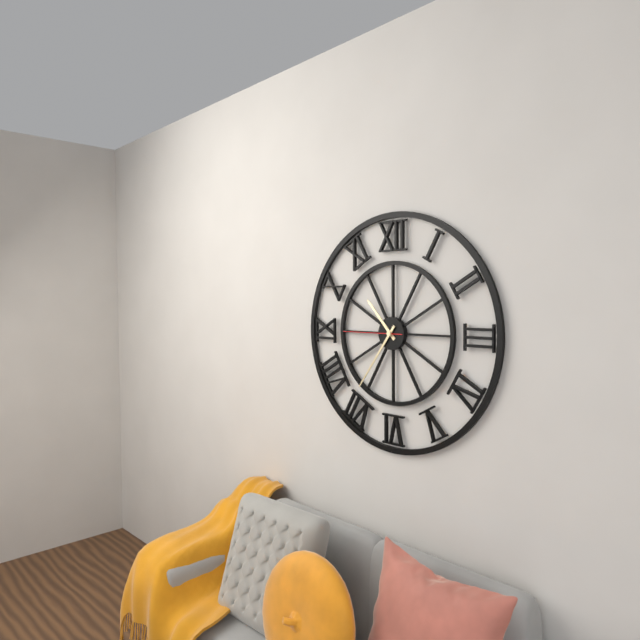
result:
10.36.45
